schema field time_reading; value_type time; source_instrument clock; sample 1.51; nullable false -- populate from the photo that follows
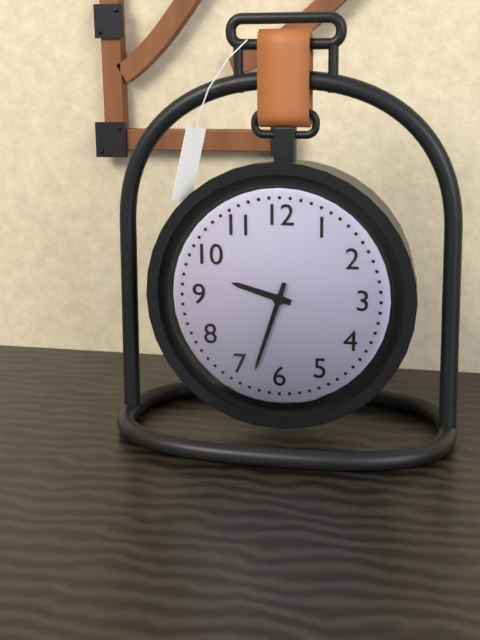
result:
9.33
